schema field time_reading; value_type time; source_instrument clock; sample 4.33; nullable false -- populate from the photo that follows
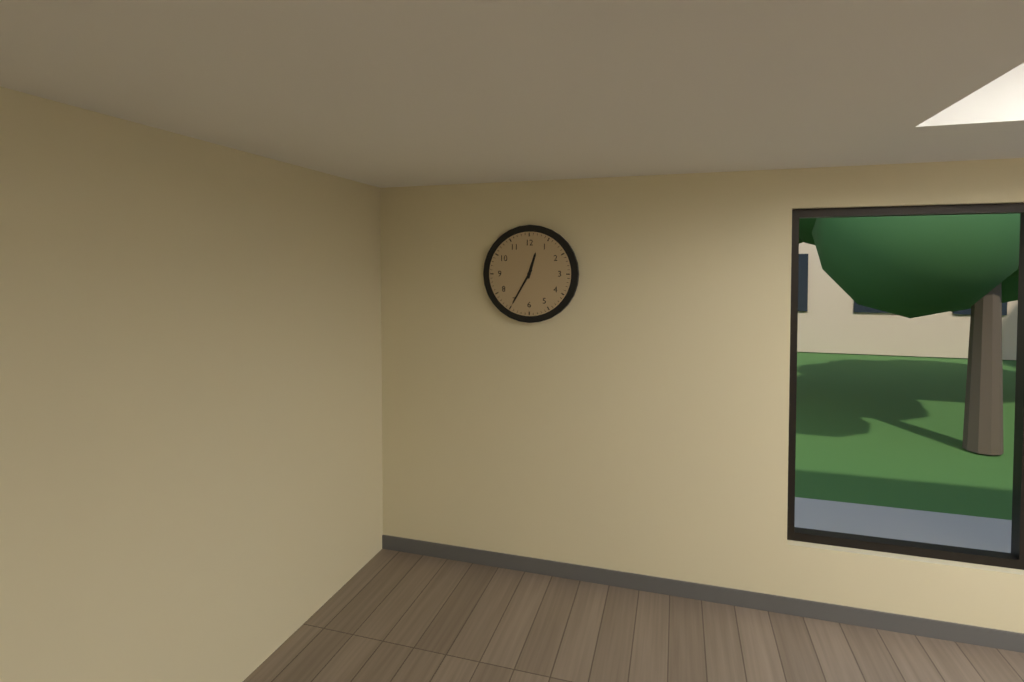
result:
12.35
